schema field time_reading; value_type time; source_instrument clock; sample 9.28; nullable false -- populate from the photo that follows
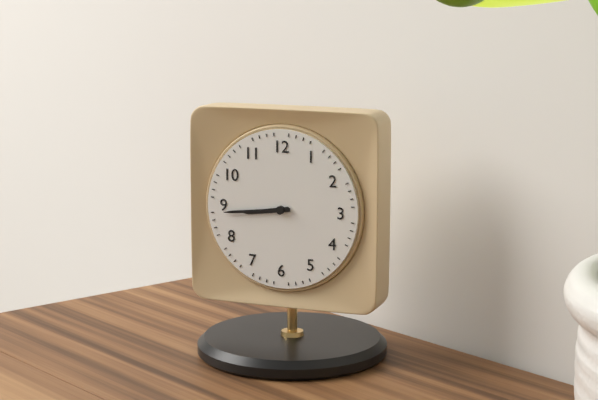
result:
8.44
